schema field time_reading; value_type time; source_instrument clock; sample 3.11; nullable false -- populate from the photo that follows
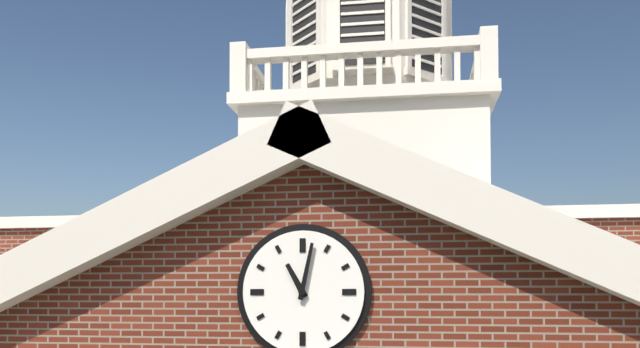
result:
11.02
